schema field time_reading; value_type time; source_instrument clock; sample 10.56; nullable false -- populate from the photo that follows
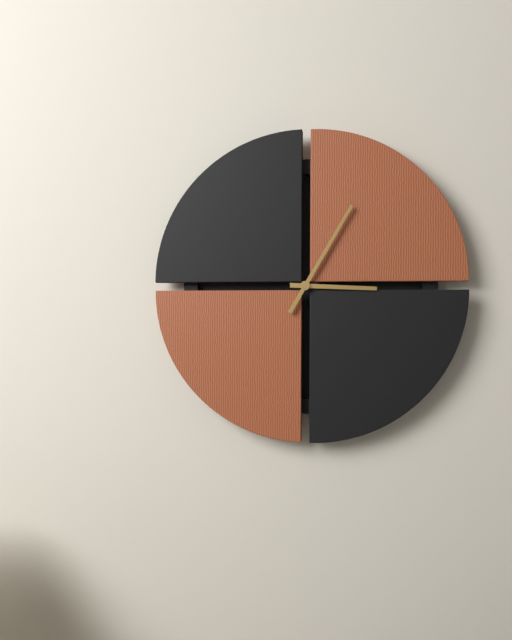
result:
3.05
